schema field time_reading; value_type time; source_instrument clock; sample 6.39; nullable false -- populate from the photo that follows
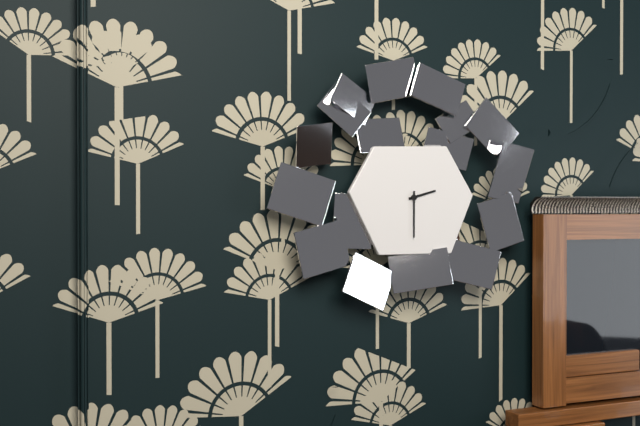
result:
2.30
